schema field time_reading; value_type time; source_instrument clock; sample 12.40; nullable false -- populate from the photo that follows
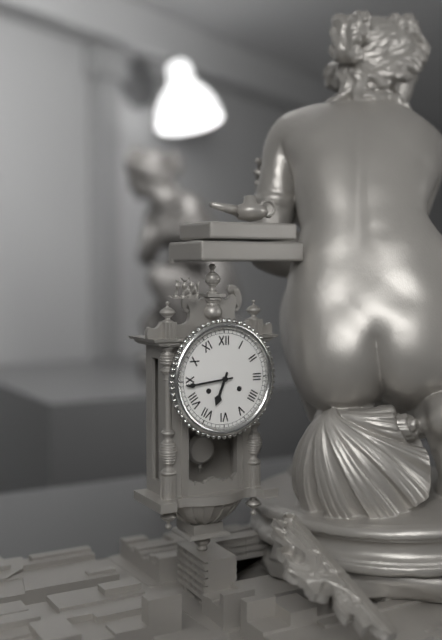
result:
6.44
